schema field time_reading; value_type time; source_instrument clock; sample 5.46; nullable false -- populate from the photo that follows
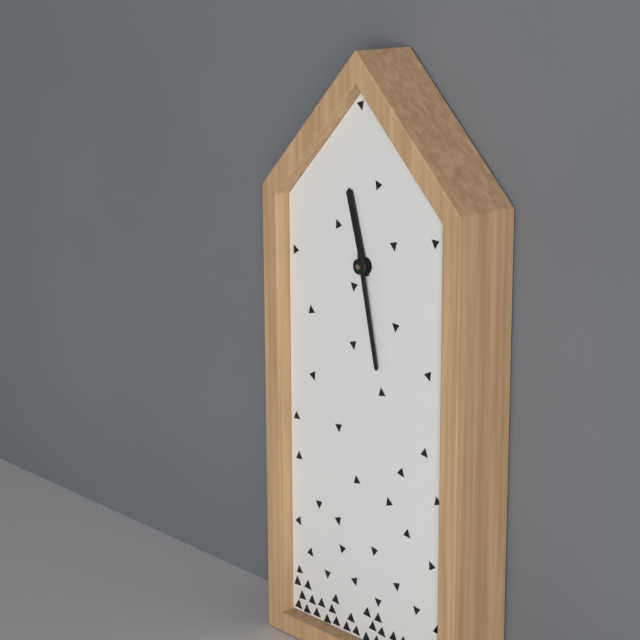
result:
11.28
